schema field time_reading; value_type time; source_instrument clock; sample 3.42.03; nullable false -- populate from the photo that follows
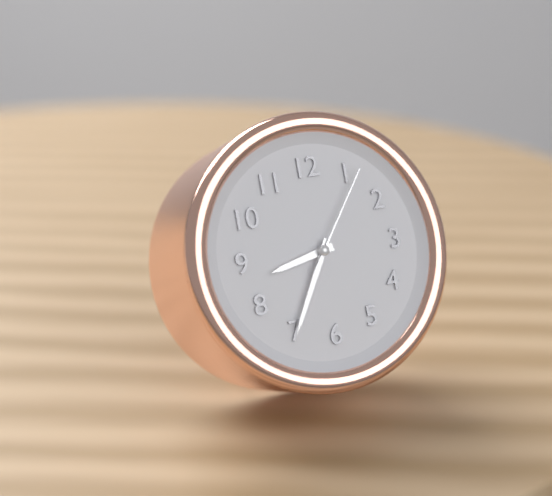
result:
8.35.06
